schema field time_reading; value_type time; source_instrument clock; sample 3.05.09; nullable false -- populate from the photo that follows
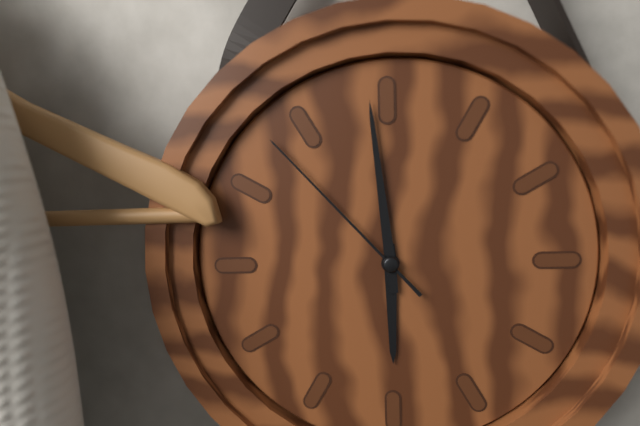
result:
5.59.53
